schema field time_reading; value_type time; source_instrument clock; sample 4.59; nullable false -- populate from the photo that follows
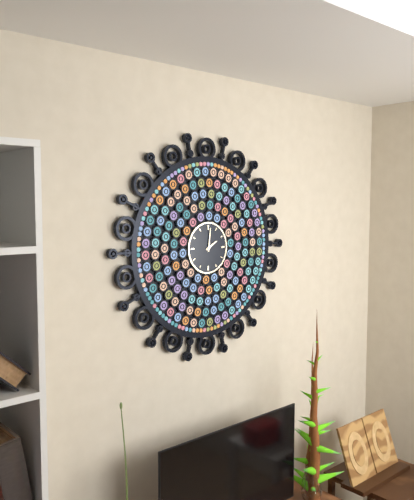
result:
2.01
